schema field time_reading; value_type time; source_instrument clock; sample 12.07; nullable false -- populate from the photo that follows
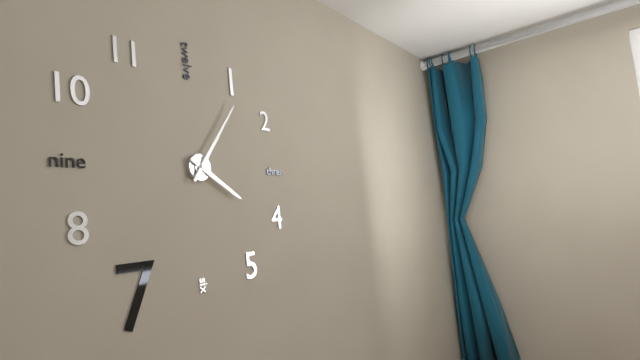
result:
4.06
